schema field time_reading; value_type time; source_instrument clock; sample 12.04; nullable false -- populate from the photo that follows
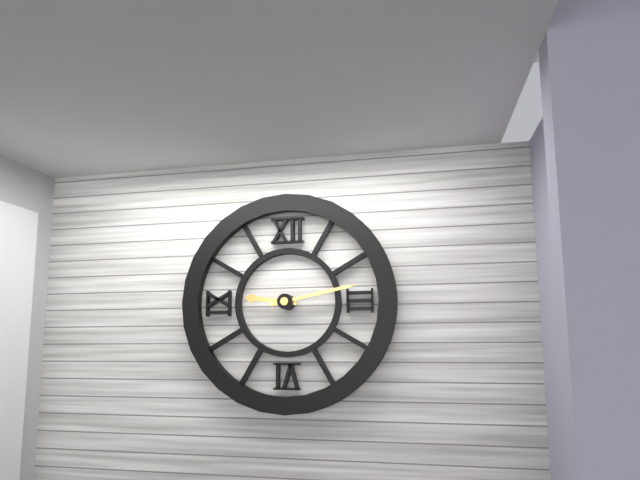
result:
9.13
